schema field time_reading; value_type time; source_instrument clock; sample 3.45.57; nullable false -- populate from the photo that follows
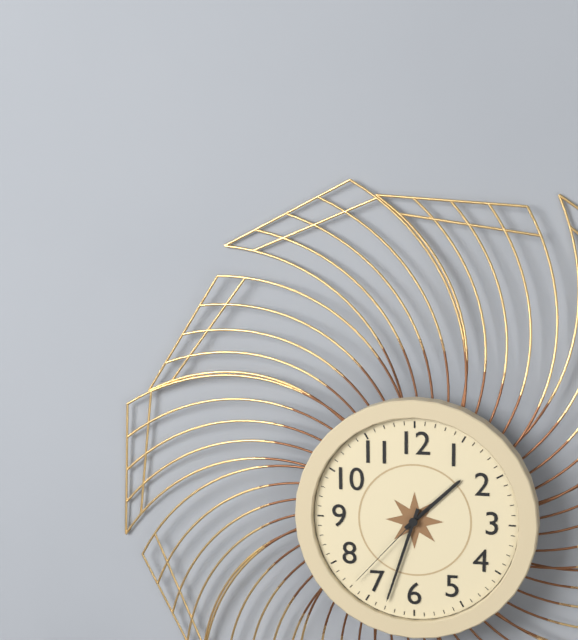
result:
1.33.37
